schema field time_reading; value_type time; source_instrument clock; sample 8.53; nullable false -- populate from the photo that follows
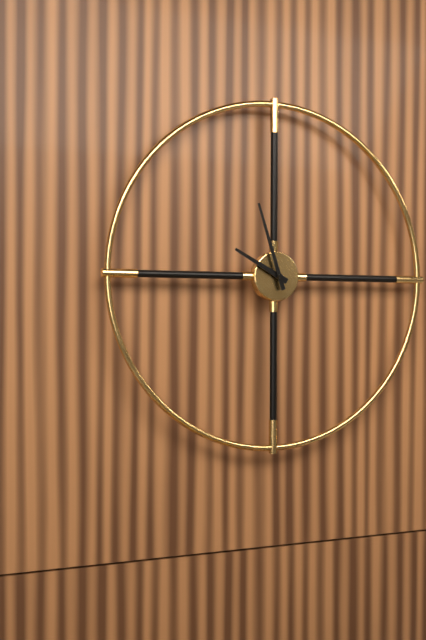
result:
9.57
